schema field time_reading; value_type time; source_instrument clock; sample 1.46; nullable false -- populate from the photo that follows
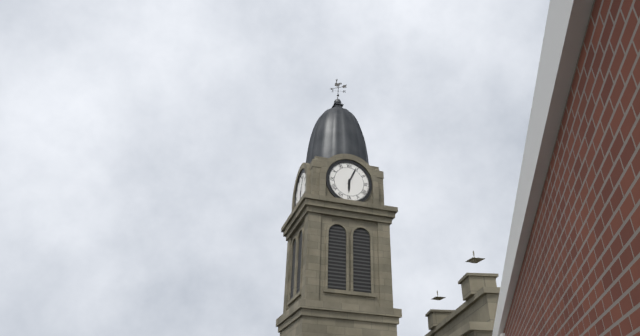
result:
6.04
